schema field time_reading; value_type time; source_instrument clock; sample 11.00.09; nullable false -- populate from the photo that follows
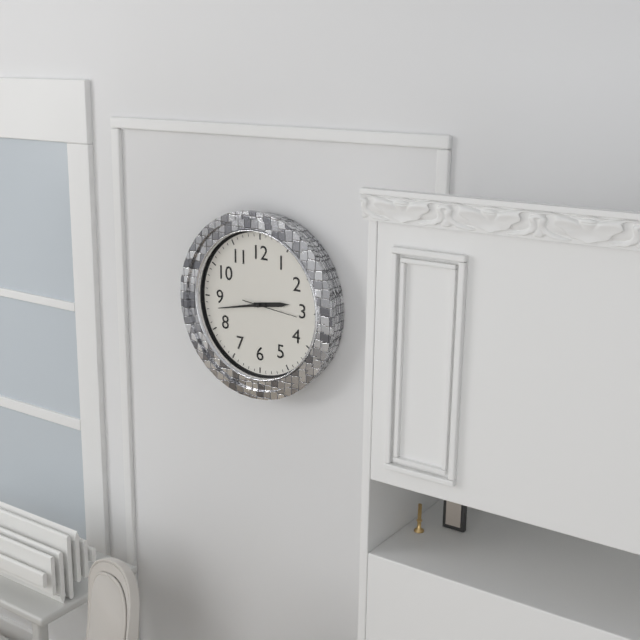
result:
2.43.16
